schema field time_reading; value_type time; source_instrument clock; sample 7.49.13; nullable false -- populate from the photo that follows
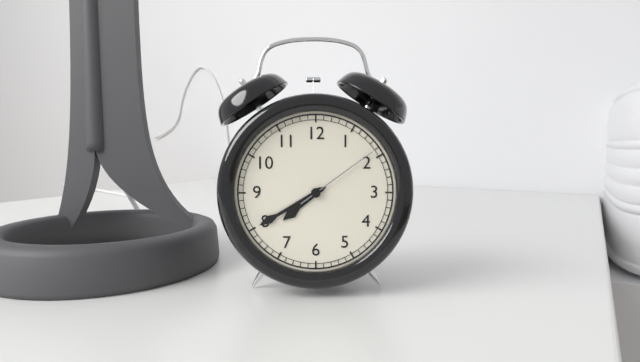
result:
7.40.09
